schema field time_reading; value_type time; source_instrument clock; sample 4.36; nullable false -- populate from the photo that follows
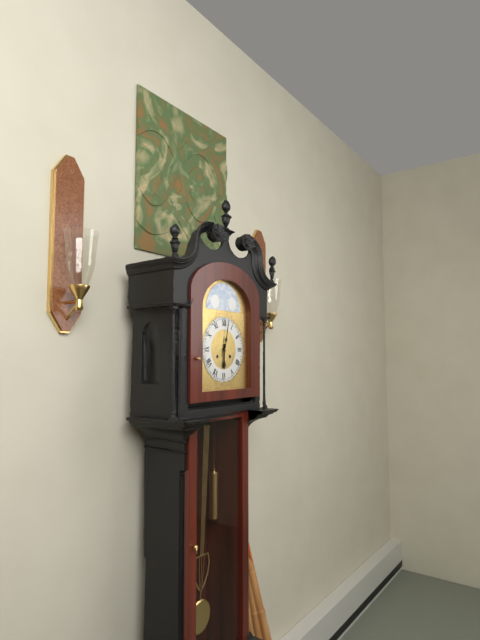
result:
6.02
